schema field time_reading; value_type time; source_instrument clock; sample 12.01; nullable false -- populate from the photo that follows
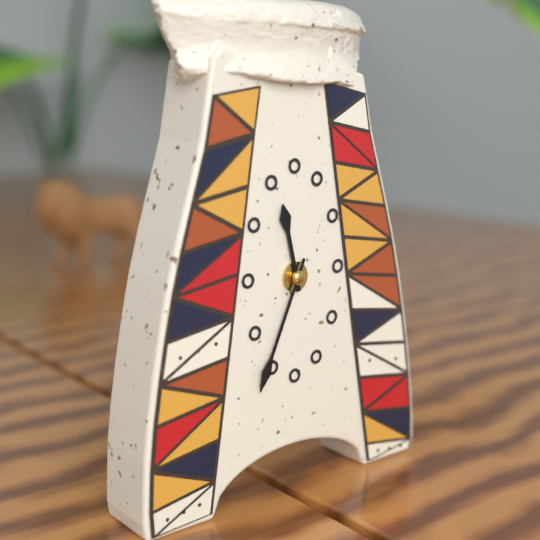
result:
11.34
